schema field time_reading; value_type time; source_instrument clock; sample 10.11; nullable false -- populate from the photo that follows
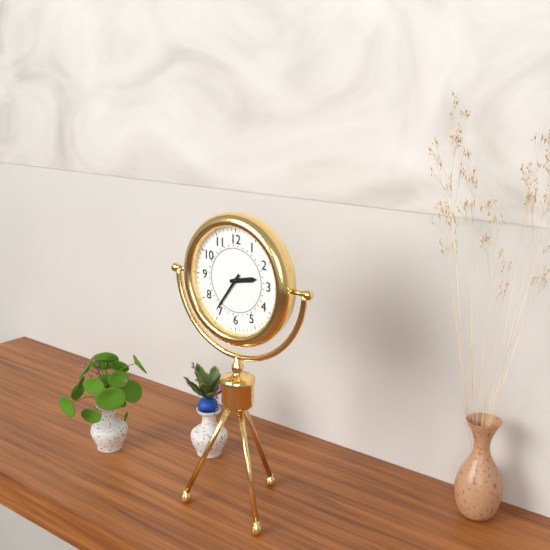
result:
2.36
